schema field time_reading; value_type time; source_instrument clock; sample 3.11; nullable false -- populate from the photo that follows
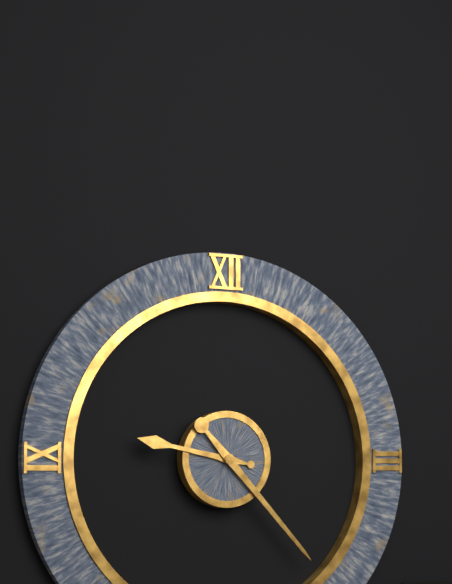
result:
9.23
